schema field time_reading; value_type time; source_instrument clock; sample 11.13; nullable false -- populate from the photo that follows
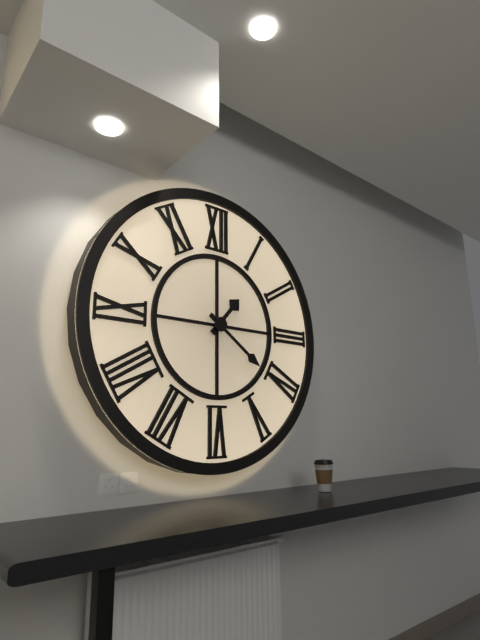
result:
1.21
